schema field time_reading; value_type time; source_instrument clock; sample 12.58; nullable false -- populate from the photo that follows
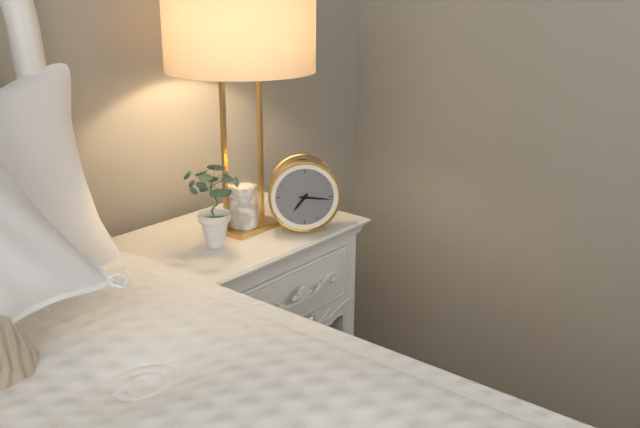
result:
7.16
